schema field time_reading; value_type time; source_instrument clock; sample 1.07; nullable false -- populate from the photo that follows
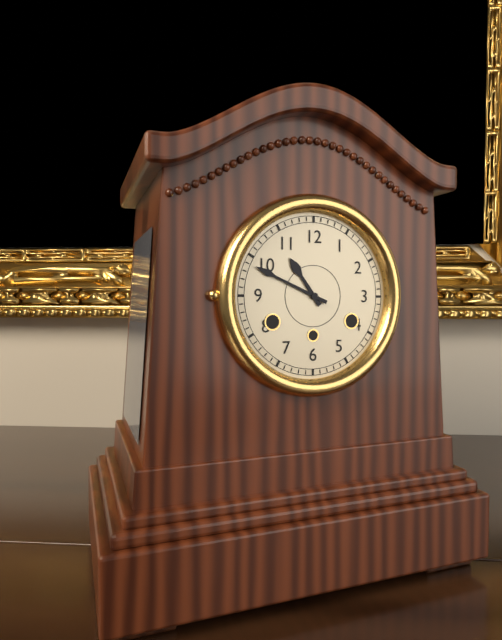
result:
10.49
